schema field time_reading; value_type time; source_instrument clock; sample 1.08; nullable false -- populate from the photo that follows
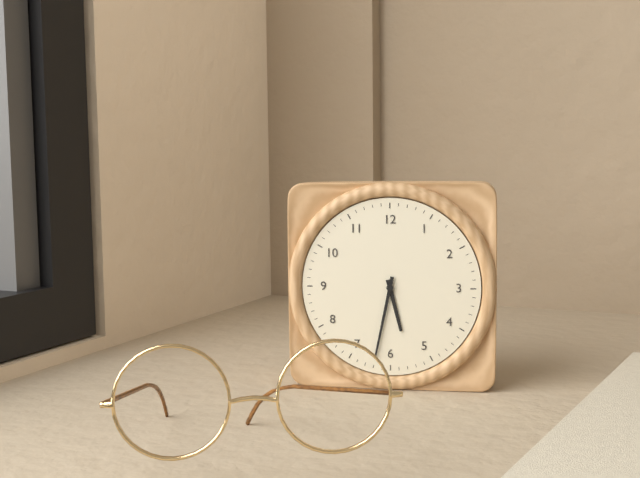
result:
5.32
